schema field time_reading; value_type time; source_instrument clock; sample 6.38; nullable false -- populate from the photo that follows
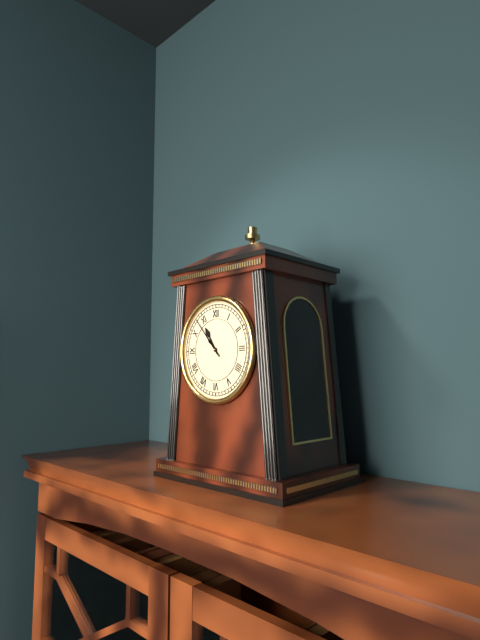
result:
10.53
